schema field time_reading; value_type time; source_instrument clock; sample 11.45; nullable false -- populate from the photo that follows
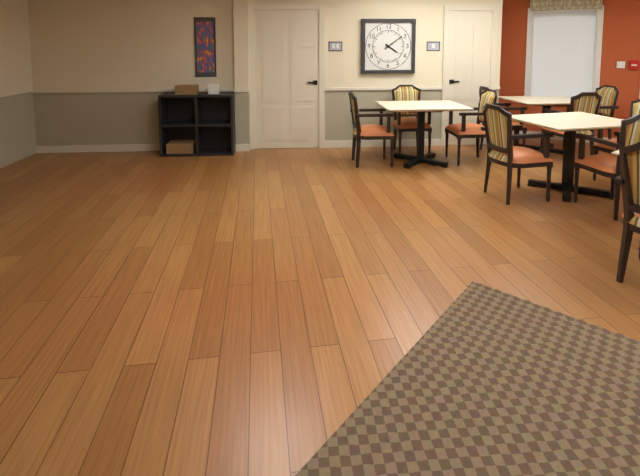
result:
4.09
